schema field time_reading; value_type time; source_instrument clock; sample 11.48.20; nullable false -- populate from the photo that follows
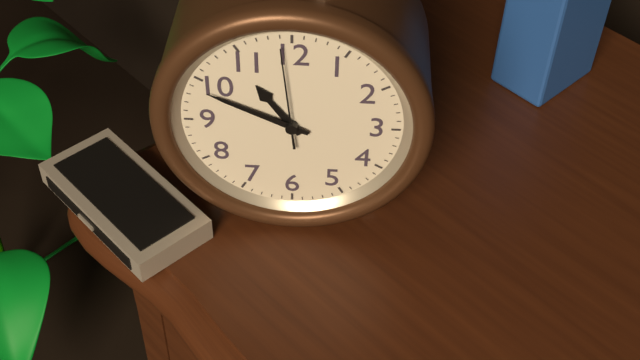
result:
10.49.59
